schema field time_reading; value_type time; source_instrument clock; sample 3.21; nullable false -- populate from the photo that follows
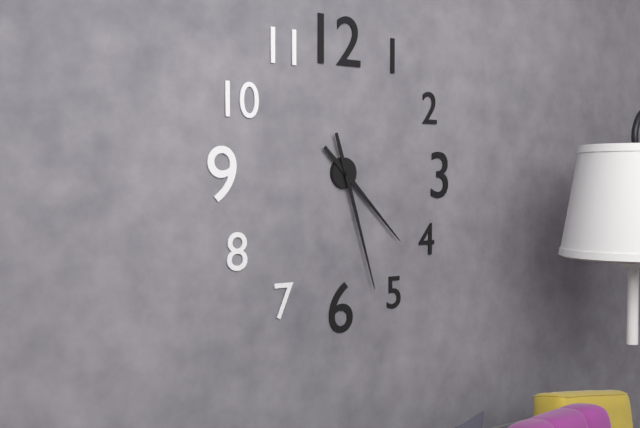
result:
4.27
